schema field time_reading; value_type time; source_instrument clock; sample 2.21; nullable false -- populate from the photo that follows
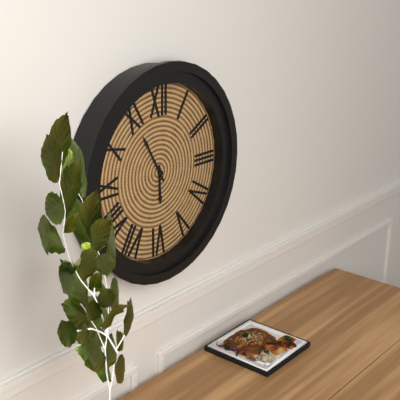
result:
5.55
